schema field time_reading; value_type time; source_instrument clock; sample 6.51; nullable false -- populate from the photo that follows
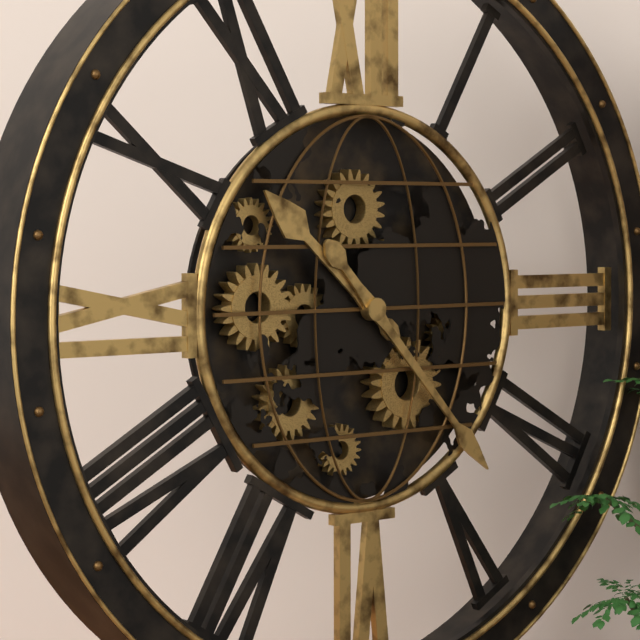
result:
10.23
